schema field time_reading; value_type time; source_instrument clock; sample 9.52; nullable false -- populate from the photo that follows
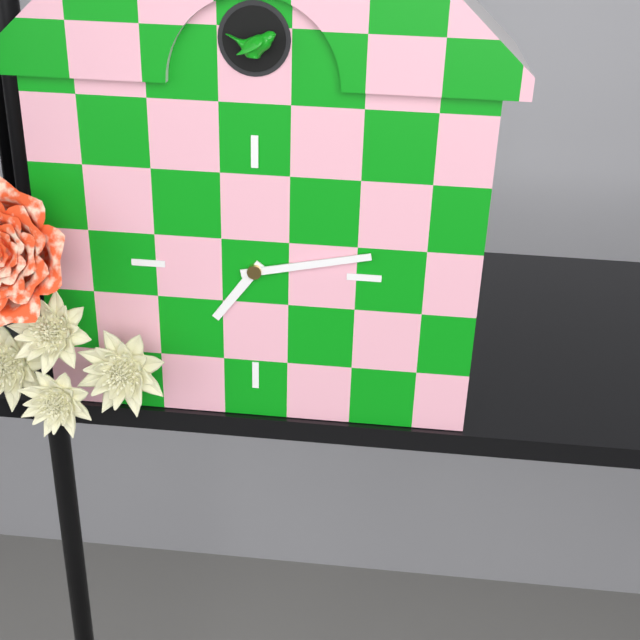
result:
7.13
